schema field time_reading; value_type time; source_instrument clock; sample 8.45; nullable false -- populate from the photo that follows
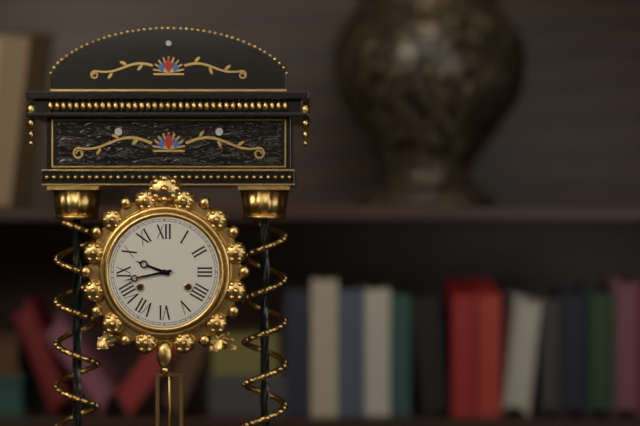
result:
9.43
